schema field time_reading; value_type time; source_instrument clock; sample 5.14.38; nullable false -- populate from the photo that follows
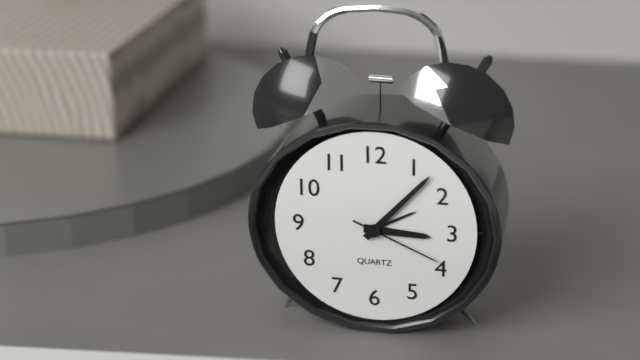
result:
3.07.19
